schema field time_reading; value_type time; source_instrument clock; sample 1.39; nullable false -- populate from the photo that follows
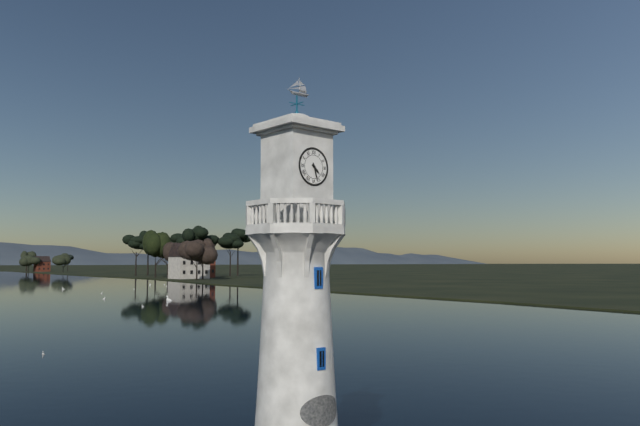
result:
4.27
